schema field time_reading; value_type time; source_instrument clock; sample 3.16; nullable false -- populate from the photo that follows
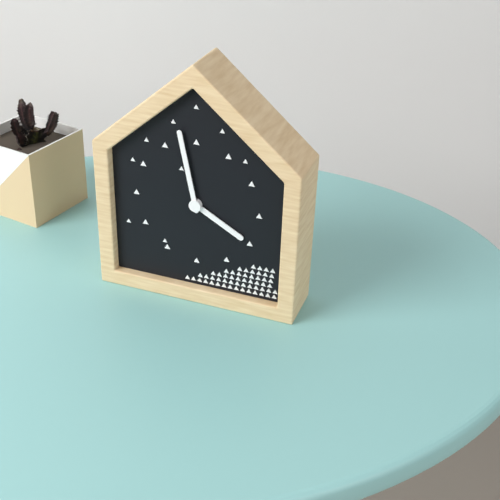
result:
3.58
